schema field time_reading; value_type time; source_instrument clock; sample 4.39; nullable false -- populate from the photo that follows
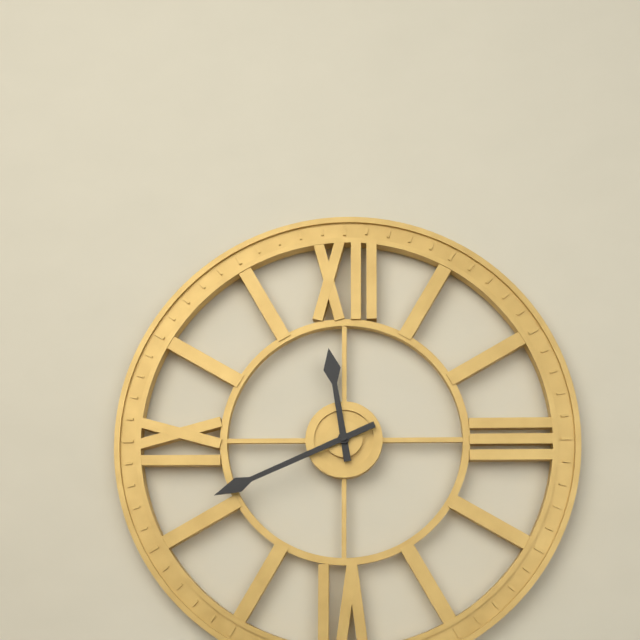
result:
11.41
